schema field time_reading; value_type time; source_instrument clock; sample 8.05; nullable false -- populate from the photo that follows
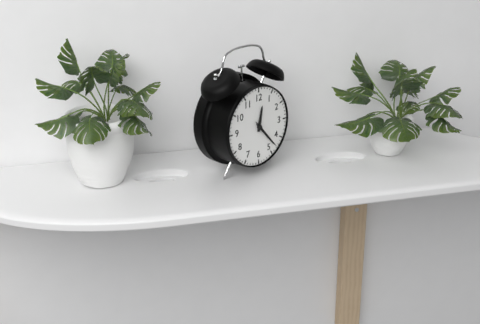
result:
12.23
